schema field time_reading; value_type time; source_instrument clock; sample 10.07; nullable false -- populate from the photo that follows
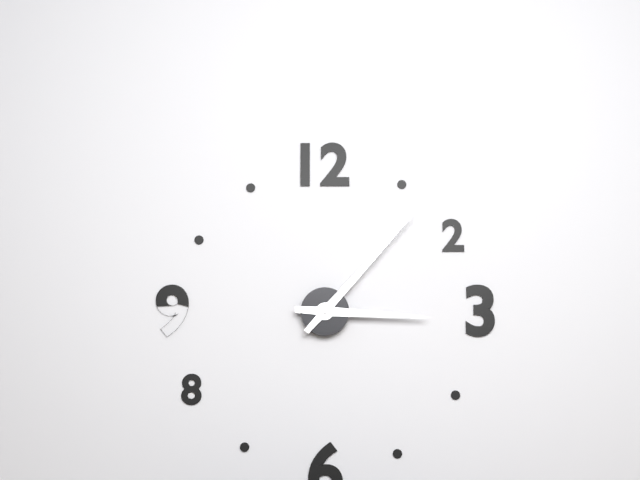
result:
3.07
